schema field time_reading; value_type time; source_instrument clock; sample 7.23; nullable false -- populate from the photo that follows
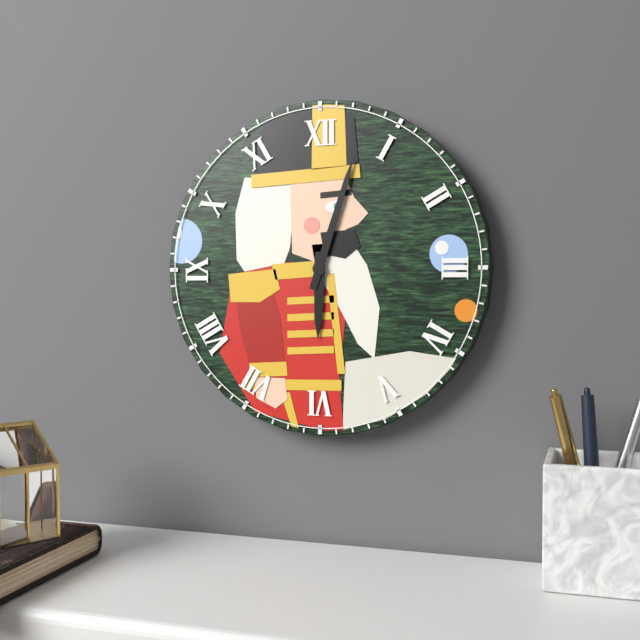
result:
6.03
